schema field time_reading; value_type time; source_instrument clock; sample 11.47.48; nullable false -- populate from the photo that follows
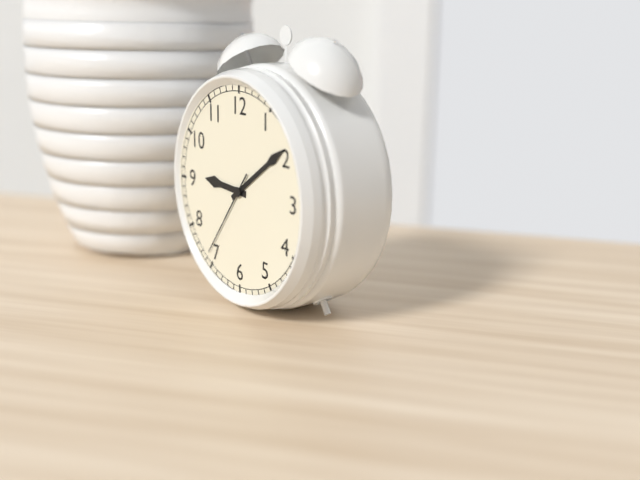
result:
9.09.36
